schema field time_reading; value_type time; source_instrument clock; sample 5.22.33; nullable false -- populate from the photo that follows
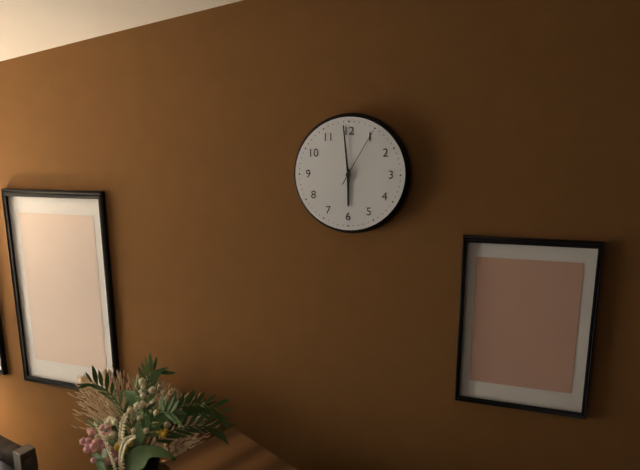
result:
5.59.05
